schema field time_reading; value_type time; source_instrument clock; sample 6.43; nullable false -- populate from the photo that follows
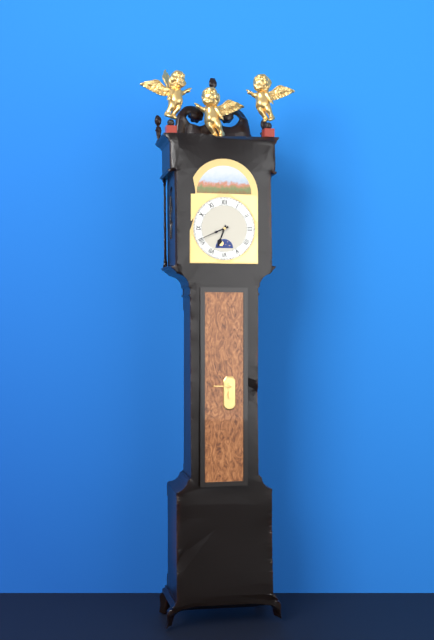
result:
6.41
